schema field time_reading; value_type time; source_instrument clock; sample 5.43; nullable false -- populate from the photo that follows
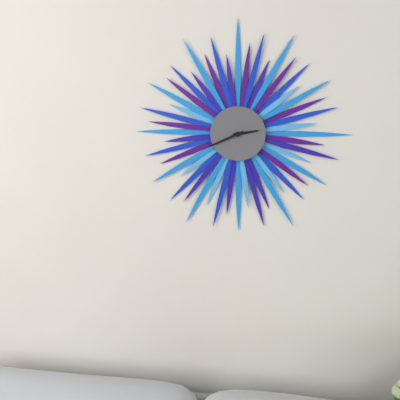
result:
2.41
